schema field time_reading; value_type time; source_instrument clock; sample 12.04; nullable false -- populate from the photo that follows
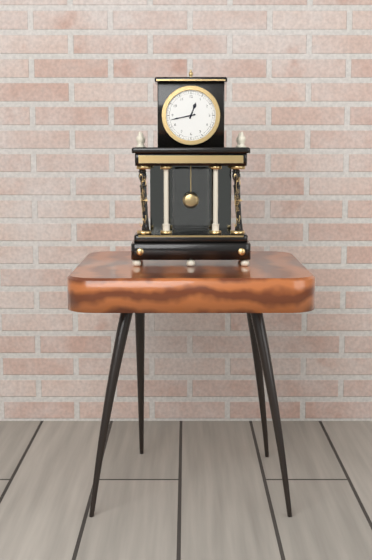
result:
12.43
